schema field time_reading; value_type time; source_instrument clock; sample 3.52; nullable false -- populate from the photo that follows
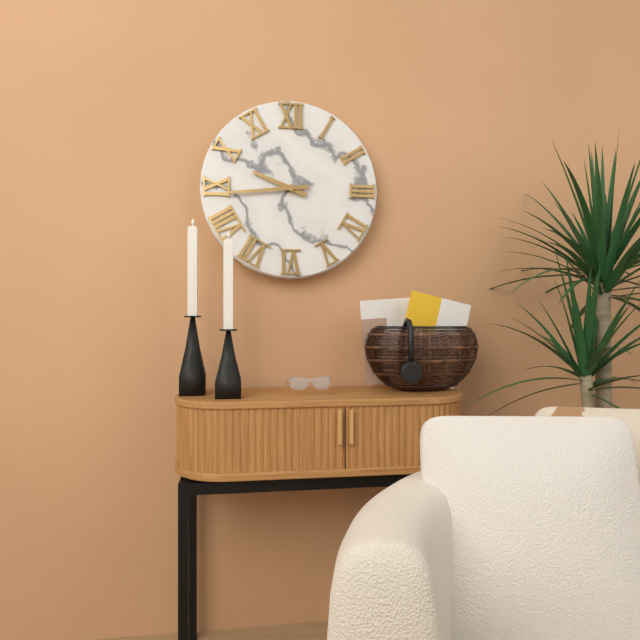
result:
9.44
